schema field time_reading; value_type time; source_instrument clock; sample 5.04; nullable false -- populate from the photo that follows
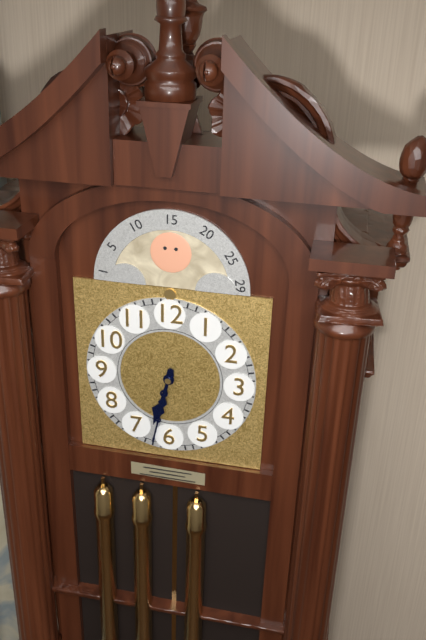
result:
6.32
